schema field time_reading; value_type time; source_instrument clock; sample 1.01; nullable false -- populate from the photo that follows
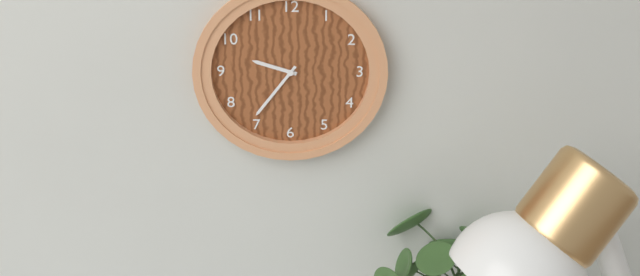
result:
9.36
